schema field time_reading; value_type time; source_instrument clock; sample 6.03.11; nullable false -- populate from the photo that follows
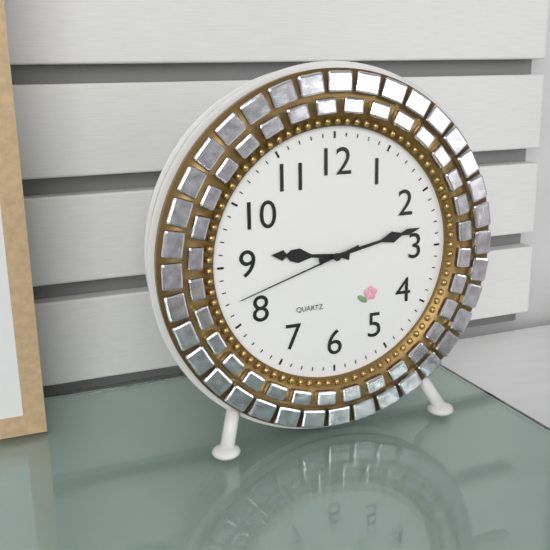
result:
9.13.42
